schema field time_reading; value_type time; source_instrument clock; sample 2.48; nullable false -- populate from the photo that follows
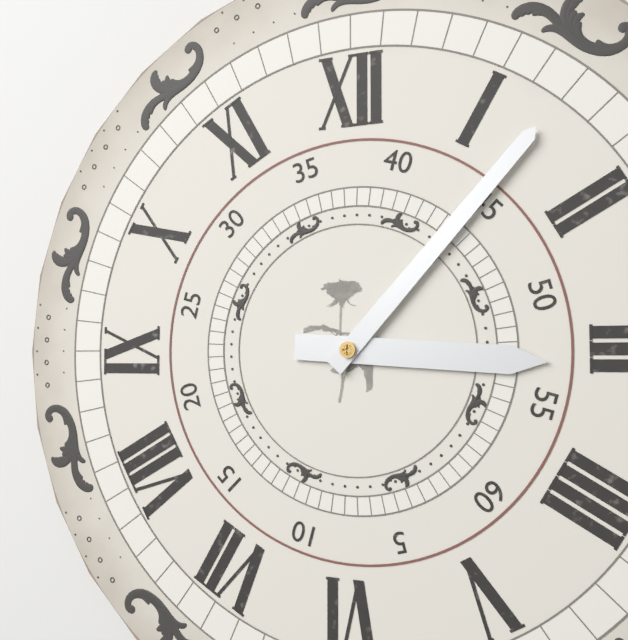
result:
3.07
